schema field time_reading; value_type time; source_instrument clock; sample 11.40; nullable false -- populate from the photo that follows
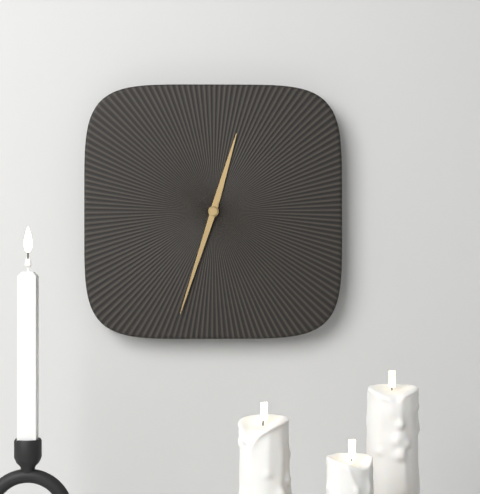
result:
12.33
